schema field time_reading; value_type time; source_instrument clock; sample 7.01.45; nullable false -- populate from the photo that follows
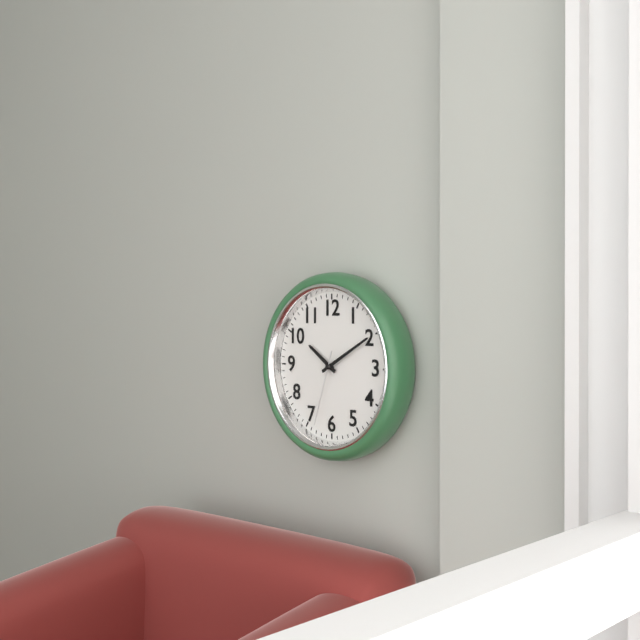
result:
10.10.33
